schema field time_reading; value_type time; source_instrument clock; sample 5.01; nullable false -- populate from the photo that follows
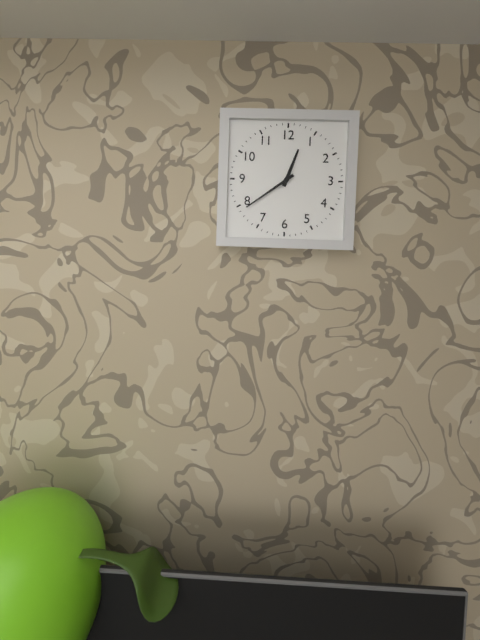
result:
12.39
